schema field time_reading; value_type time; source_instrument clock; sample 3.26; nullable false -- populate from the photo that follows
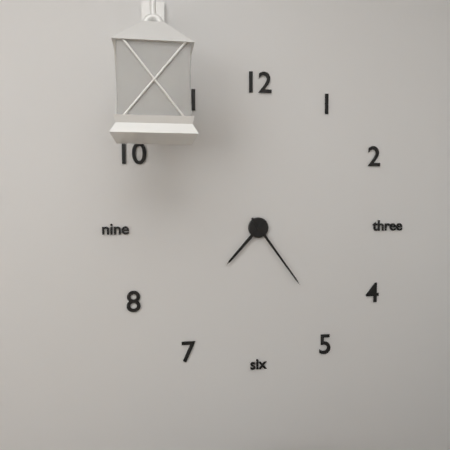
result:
7.24
